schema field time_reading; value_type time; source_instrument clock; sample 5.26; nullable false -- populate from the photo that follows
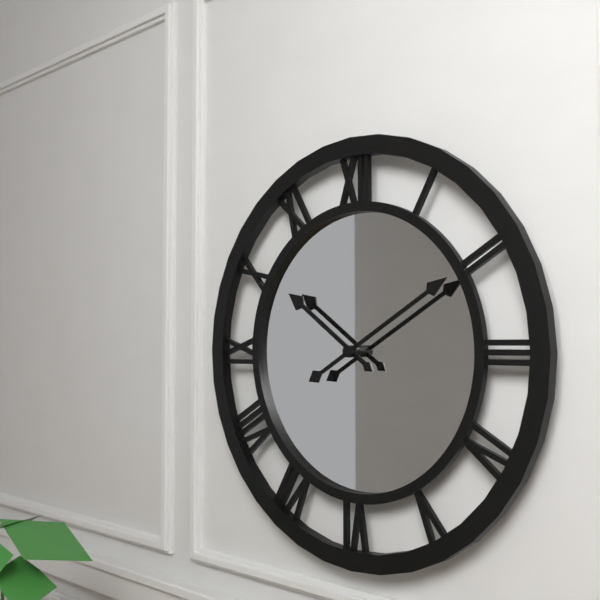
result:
10.10
